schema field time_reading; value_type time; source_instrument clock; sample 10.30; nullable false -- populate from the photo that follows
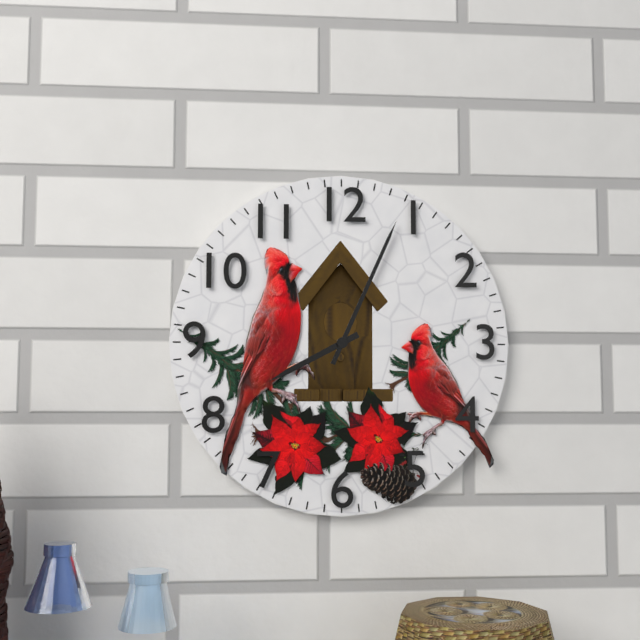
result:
8.04
